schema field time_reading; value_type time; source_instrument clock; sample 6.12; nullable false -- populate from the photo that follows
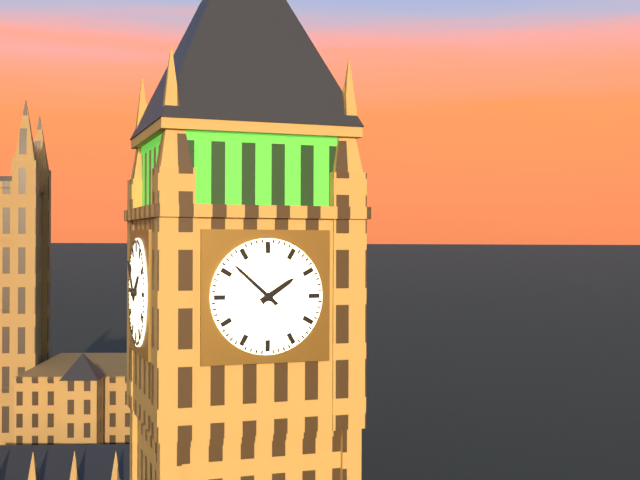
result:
1.52
